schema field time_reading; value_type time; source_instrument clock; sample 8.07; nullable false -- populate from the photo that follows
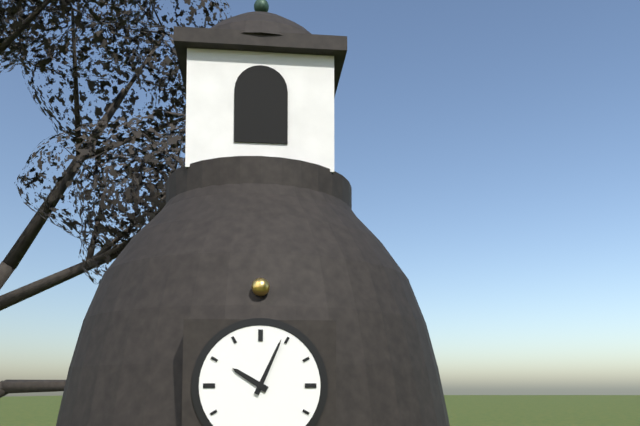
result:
10.04
